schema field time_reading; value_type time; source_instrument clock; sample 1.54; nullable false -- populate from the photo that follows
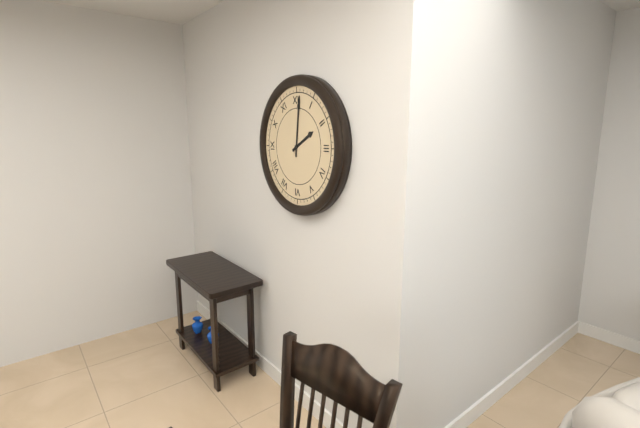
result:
2.01
